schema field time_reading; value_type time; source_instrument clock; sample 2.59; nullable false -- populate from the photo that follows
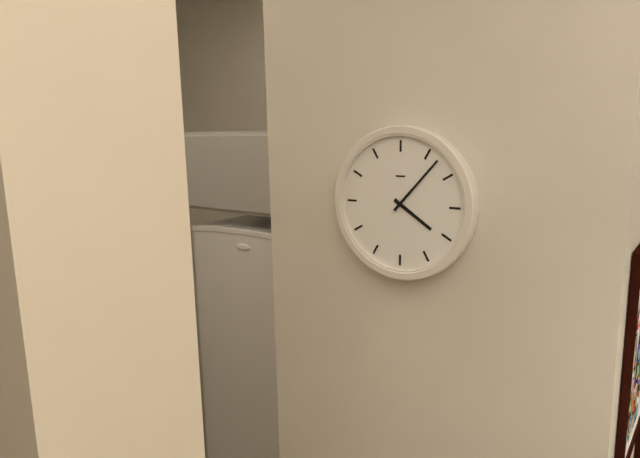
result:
4.07
